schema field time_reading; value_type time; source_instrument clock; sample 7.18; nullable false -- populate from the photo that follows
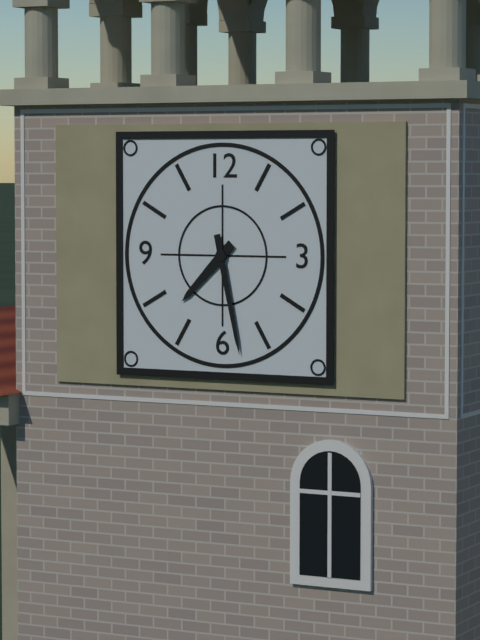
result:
7.28
